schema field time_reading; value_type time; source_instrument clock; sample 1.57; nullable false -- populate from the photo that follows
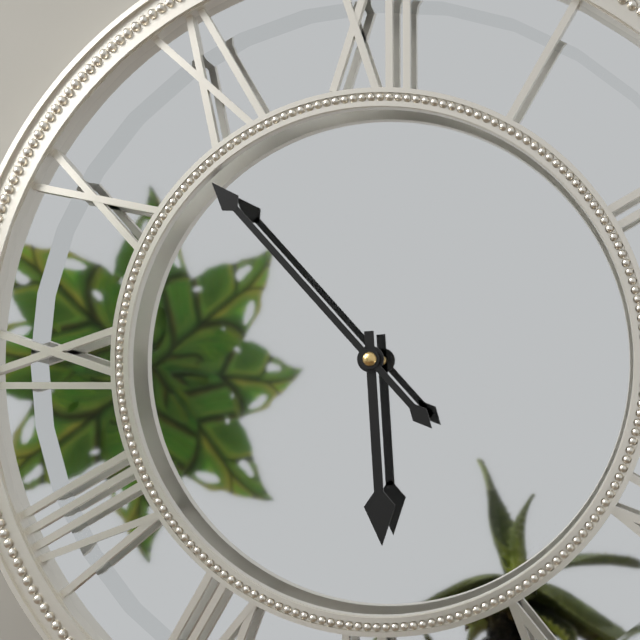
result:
5.53
